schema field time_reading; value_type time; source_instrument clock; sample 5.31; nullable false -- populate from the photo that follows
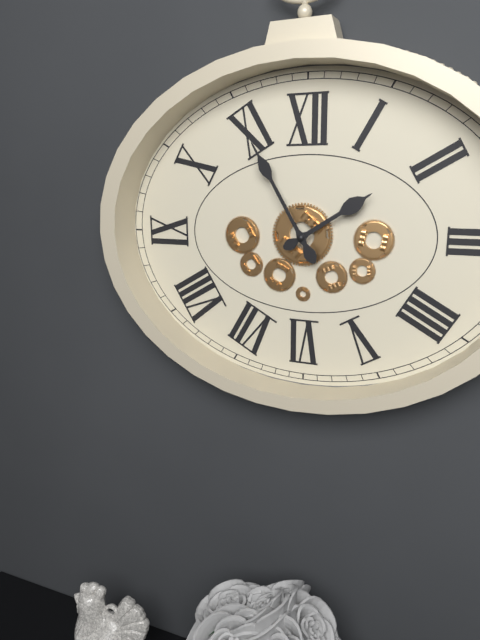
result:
1.55
